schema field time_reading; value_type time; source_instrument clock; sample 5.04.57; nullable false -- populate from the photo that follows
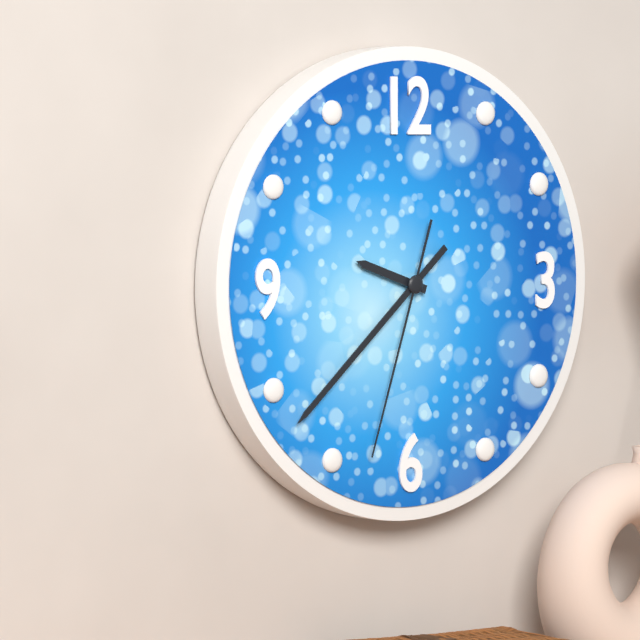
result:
9.38.33
